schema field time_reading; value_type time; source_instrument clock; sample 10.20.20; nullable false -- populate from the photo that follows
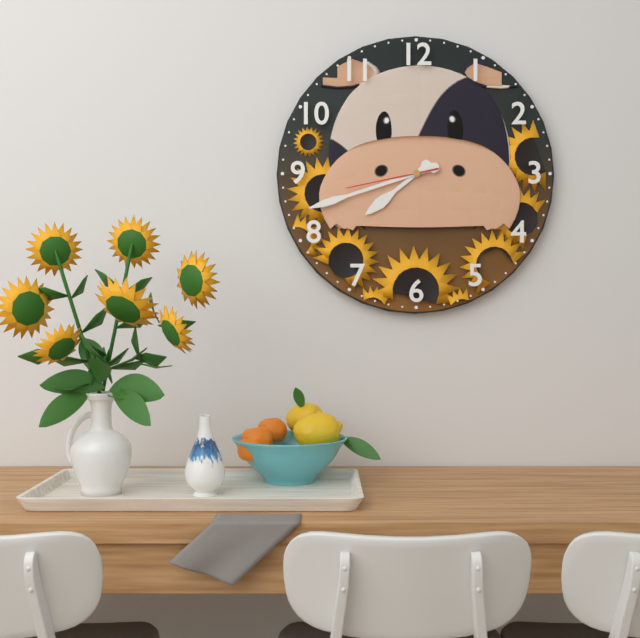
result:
7.42.43
